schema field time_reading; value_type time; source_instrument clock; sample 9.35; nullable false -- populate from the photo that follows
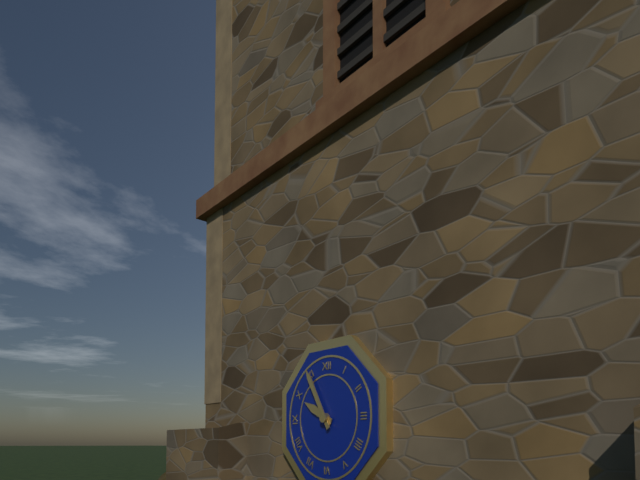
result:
9.55
